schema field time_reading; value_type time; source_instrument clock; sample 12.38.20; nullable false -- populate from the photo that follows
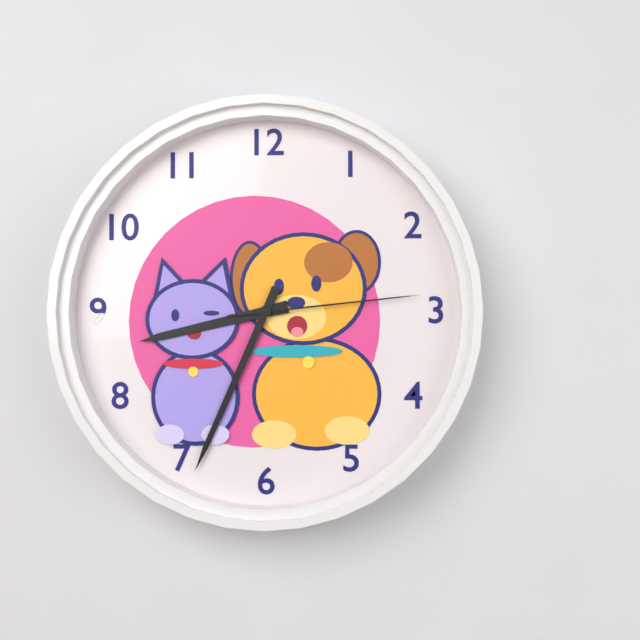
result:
8.34.14
